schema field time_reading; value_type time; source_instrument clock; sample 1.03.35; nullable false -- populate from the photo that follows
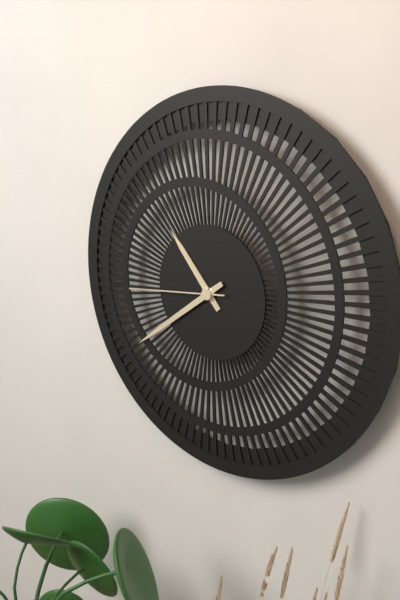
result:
10.39.44
